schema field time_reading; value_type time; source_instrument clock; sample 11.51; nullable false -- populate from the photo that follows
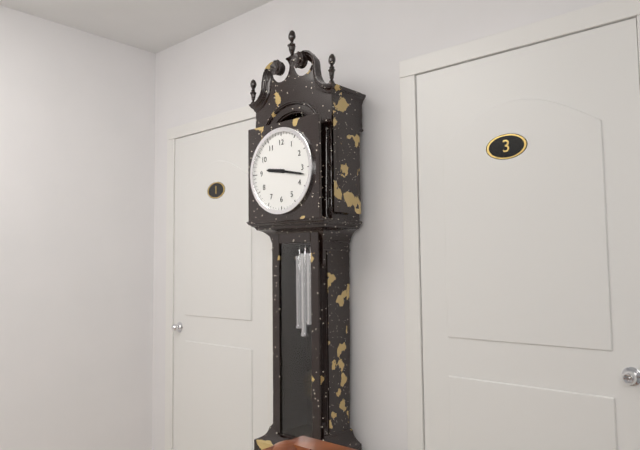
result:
9.17
